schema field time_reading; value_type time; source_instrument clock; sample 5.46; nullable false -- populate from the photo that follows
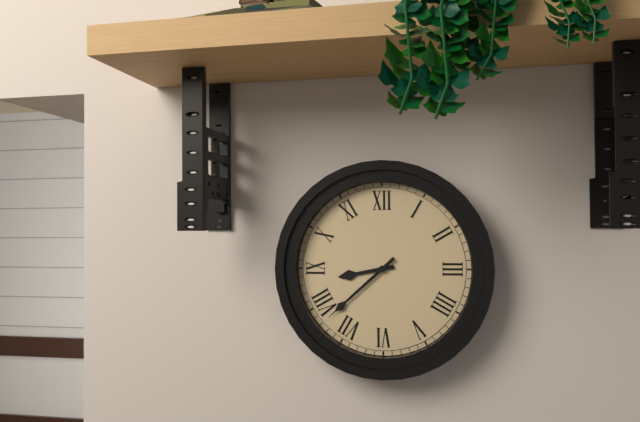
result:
8.38
